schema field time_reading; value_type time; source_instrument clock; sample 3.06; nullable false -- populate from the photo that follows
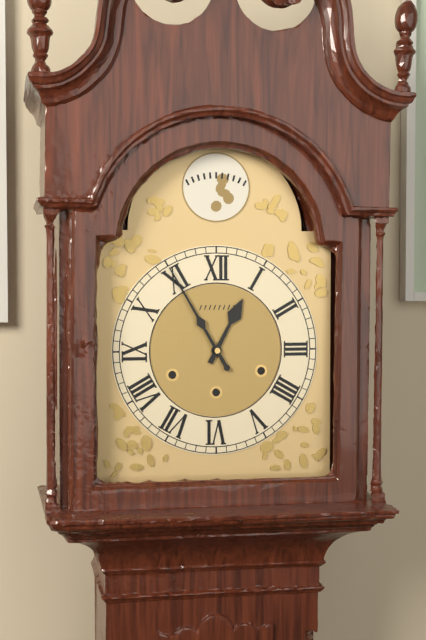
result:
12.55
